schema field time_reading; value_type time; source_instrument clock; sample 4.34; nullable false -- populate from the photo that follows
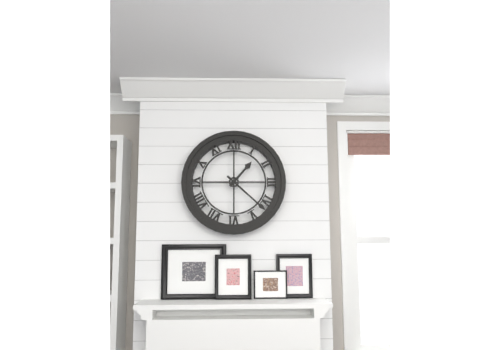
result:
1.22
